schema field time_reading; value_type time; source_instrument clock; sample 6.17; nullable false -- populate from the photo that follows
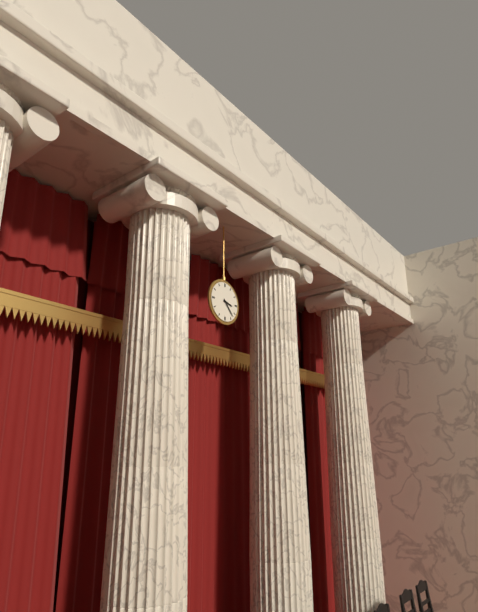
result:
3.23
